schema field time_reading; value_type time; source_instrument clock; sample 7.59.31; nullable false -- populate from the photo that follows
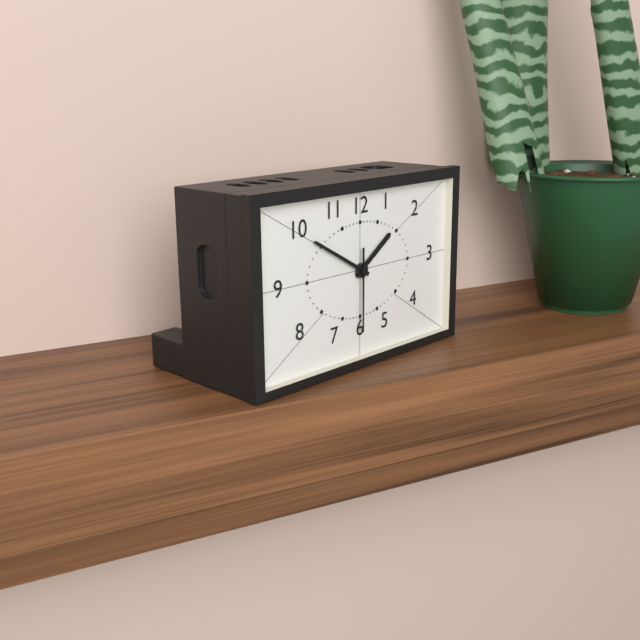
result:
1.50.30
